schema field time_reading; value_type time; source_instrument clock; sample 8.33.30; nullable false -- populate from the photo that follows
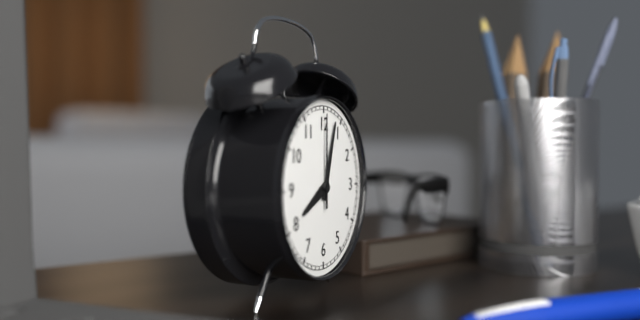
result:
8.03.00
